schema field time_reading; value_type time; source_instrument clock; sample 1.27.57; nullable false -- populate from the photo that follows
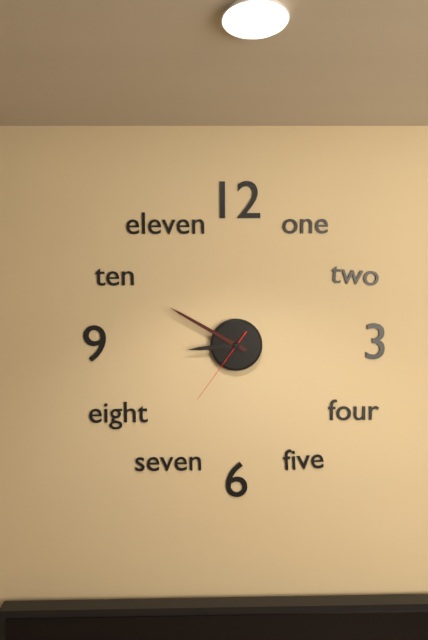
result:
8.50.36
